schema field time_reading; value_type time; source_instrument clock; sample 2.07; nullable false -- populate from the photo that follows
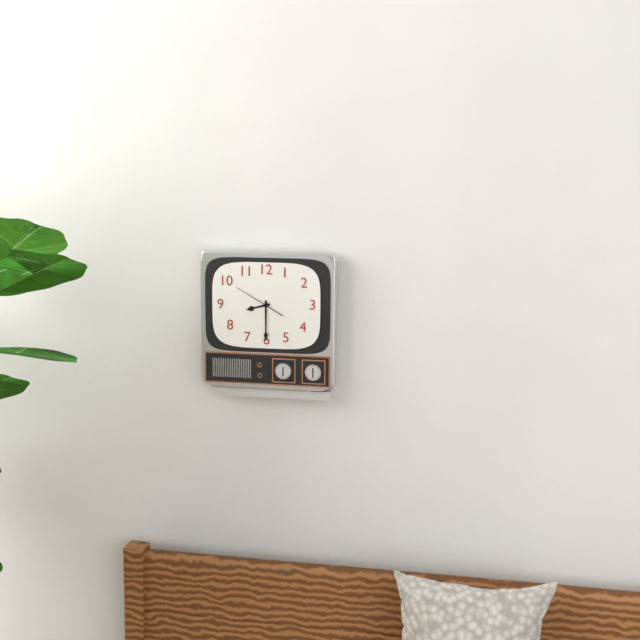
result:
8.30
